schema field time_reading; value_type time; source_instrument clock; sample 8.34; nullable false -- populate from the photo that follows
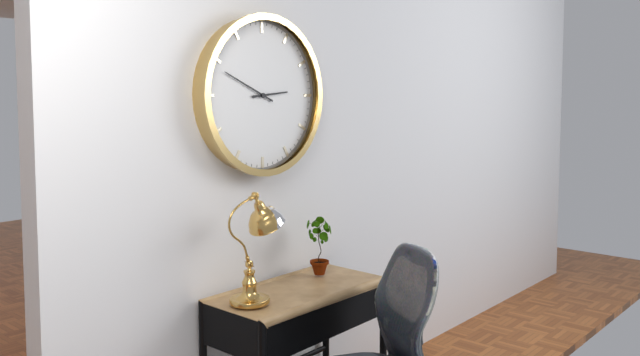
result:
2.49
